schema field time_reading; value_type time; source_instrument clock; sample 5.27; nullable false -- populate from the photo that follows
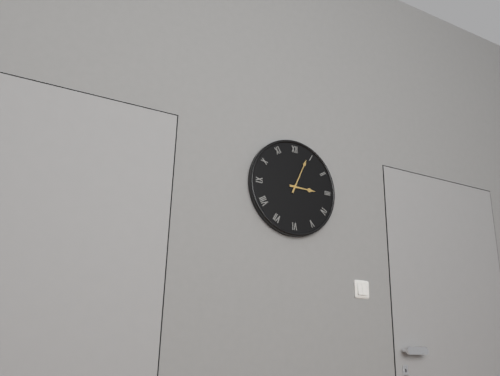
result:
3.04
